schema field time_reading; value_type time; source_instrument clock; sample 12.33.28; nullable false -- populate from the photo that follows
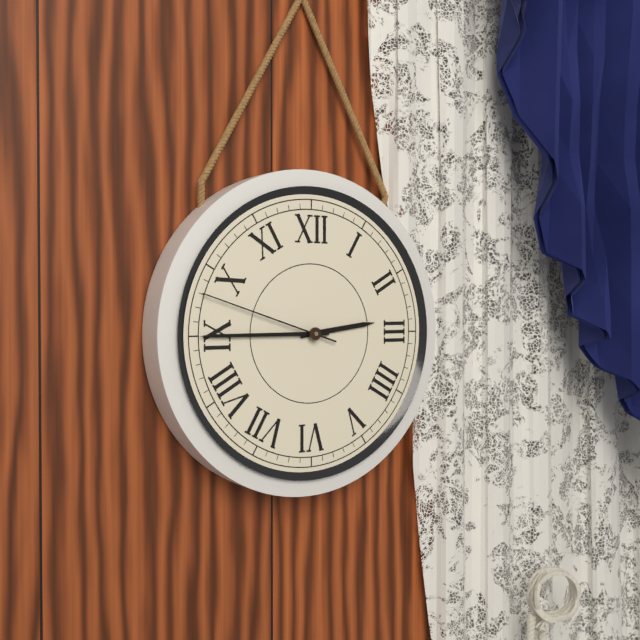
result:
2.45.48
